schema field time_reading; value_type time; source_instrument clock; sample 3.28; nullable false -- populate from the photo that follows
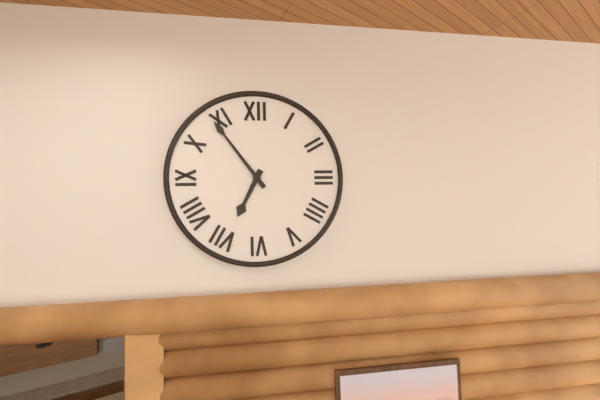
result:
6.54
